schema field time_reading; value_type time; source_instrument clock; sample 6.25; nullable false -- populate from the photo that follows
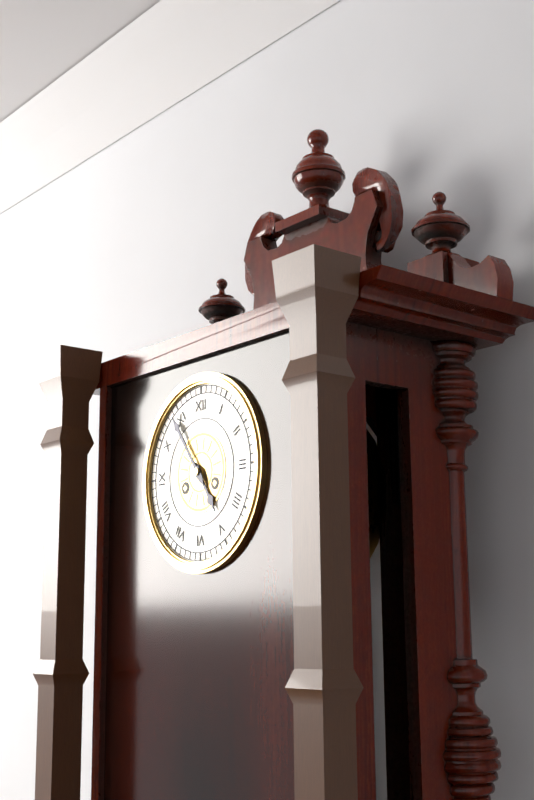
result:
4.54
